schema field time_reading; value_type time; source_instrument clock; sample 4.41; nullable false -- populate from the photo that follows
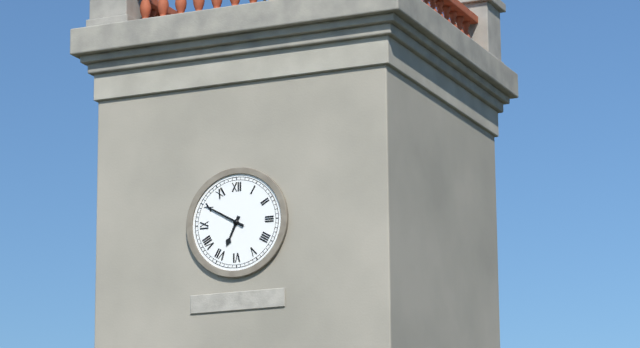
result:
6.50
